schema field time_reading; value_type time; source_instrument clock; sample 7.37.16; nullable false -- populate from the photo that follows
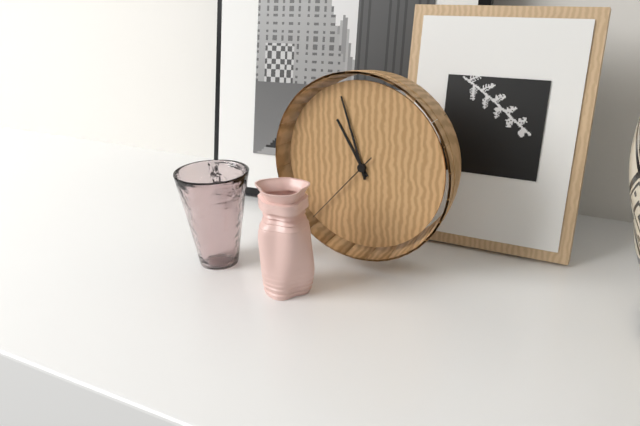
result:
10.57.37
